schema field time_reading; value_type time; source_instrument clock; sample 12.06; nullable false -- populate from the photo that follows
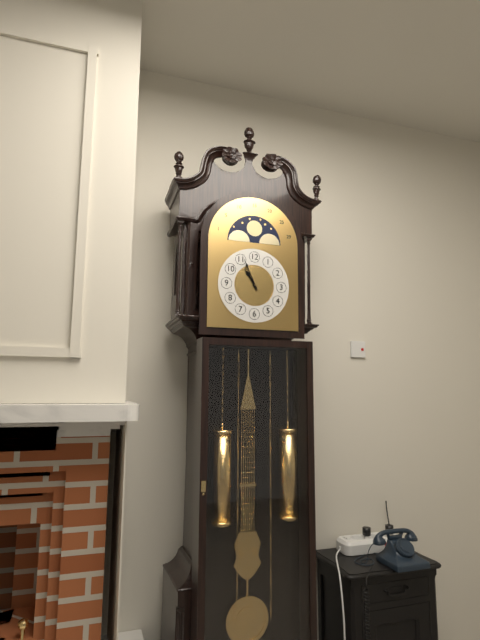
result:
10.56
